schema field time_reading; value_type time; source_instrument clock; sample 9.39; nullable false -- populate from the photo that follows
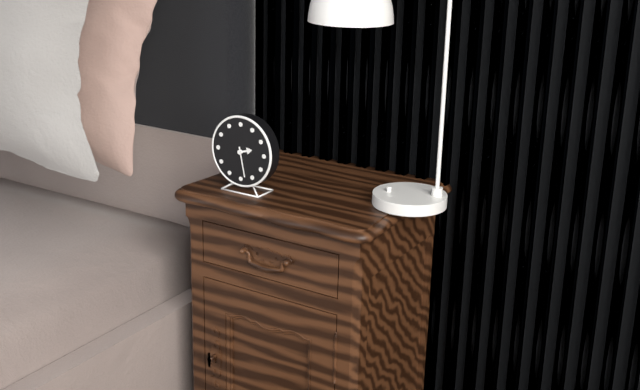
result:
2.28
